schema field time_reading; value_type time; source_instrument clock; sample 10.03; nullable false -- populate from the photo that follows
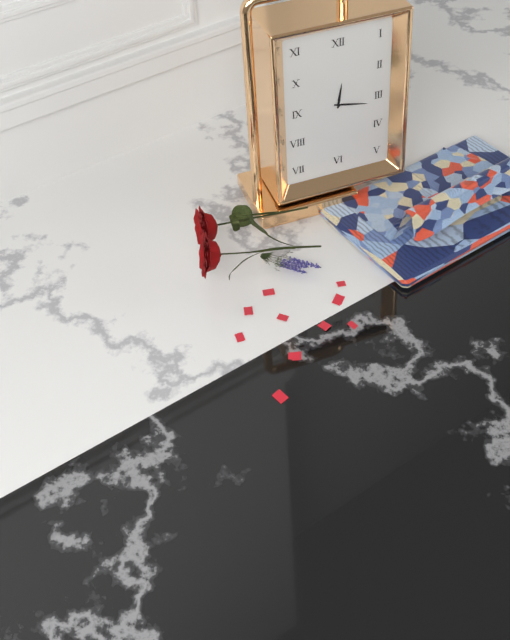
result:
12.17
